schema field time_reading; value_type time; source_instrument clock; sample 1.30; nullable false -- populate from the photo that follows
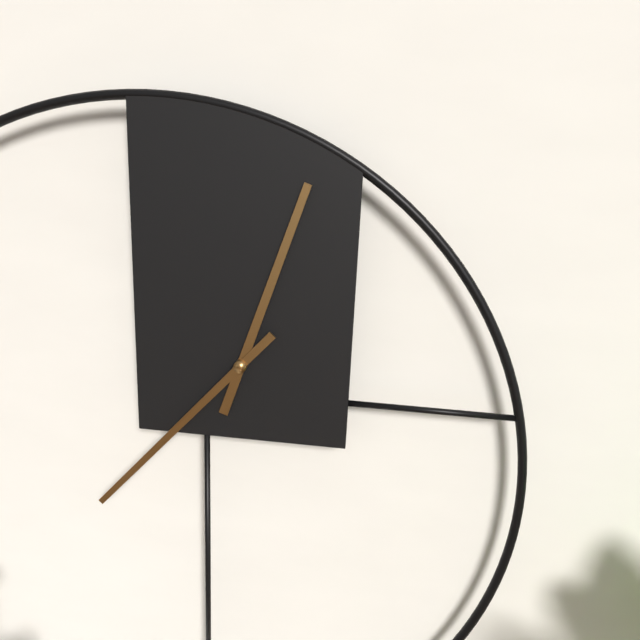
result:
12.37
